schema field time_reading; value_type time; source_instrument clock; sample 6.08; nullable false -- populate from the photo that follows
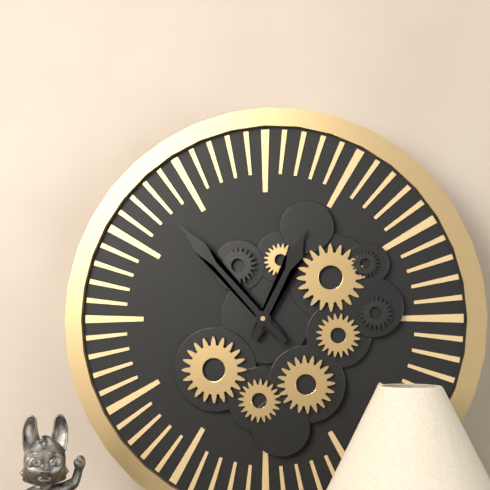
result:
12.53
